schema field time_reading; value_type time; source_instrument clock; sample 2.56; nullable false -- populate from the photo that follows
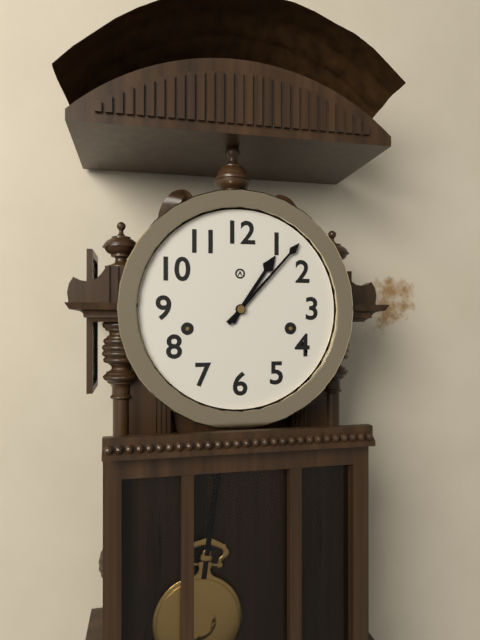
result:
1.07
